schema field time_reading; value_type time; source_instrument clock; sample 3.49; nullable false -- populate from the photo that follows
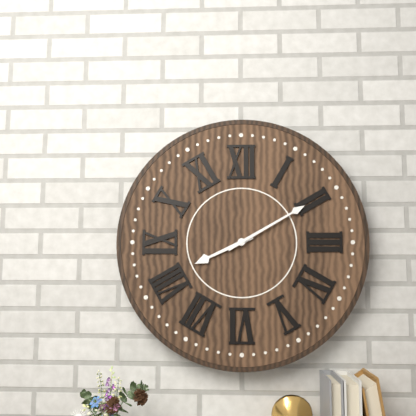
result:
8.10
